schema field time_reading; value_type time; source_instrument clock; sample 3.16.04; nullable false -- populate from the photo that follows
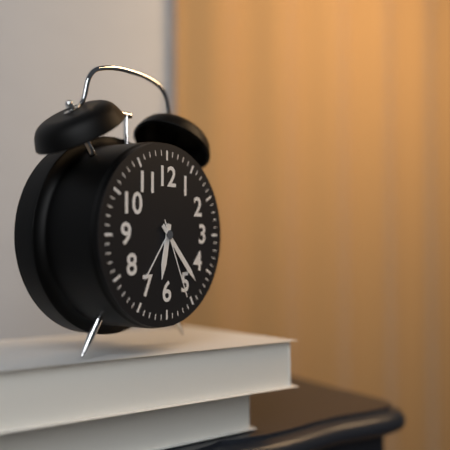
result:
6.23.26
